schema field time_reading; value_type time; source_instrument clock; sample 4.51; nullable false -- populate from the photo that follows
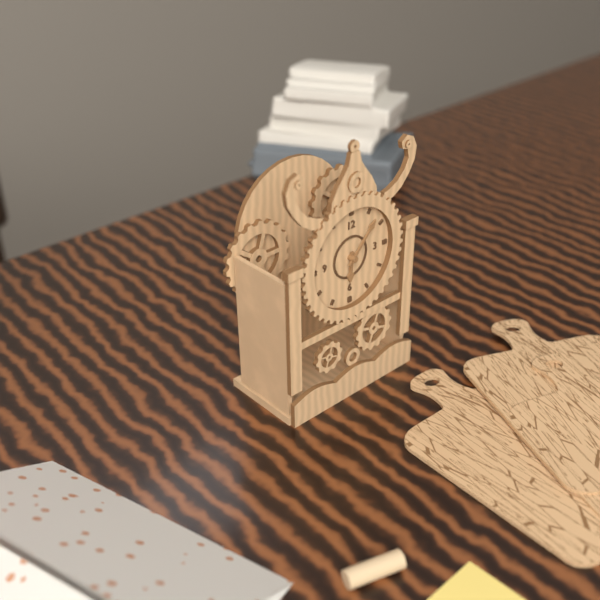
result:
6.07
